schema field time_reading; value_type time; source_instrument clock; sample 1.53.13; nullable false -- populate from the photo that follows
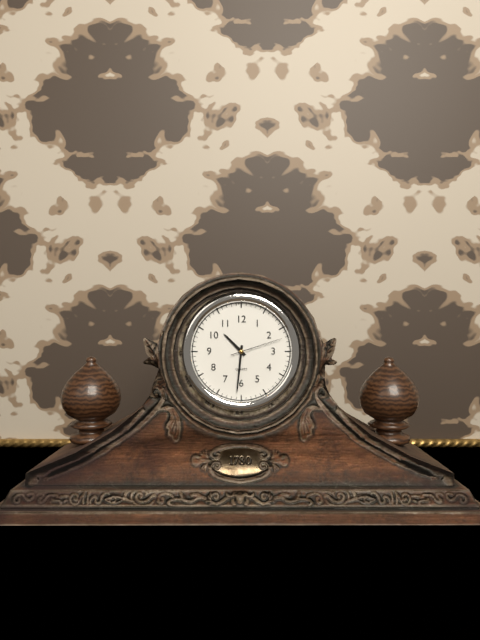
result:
10.31.12
